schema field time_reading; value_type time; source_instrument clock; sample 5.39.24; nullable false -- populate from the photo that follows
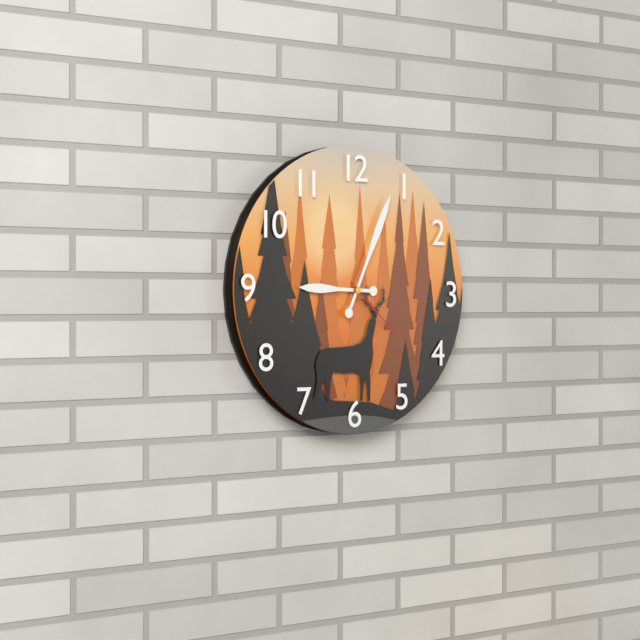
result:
9.04.22
